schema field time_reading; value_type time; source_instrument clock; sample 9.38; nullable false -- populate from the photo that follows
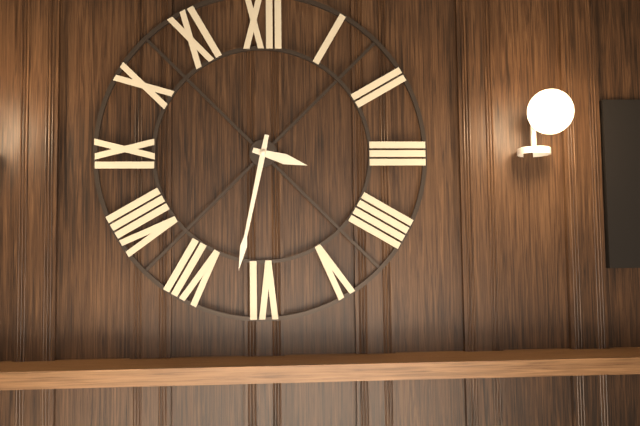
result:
3.32
